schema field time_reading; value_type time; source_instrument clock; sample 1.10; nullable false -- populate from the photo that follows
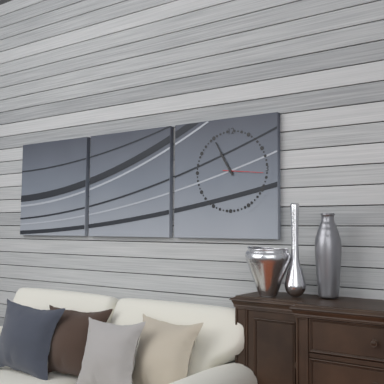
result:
10.55
